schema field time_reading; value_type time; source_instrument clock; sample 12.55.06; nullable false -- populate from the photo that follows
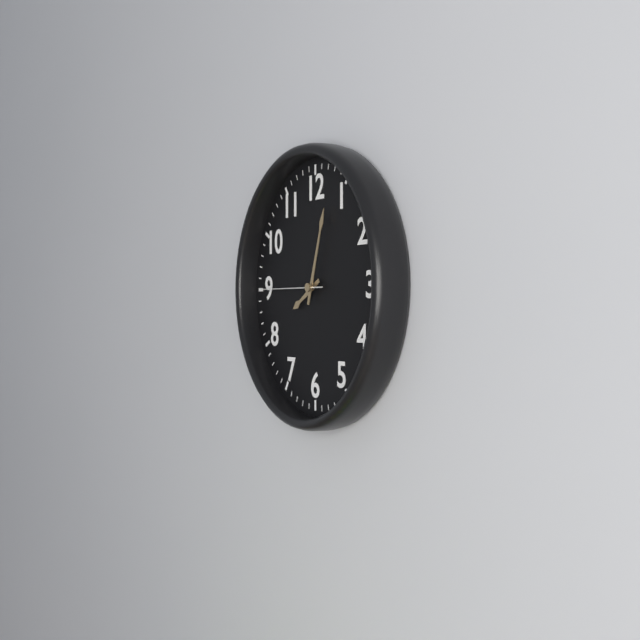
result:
8.03.45
